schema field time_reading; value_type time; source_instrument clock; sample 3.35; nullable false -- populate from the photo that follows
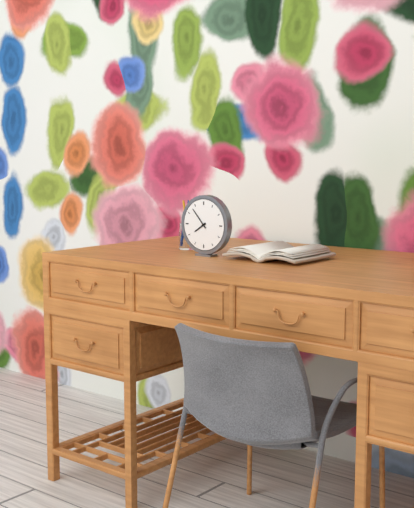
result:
7.53
